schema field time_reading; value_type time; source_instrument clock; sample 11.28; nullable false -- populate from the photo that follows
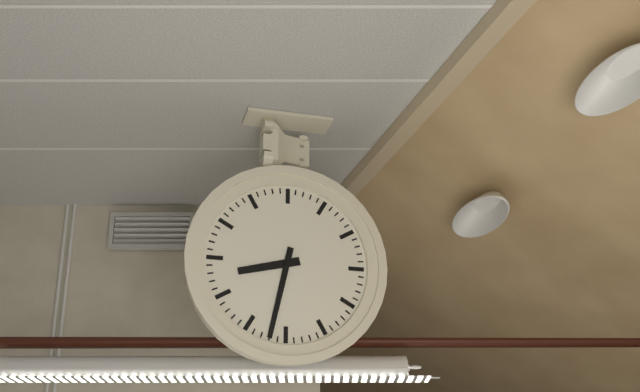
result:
8.32
